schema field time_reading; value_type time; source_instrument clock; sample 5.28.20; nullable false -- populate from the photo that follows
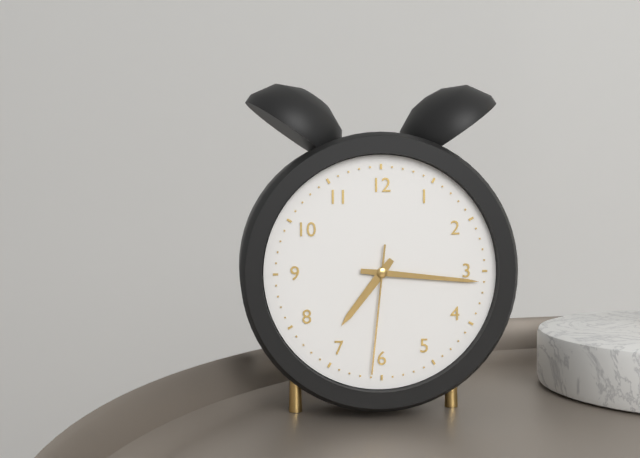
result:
7.16.31
